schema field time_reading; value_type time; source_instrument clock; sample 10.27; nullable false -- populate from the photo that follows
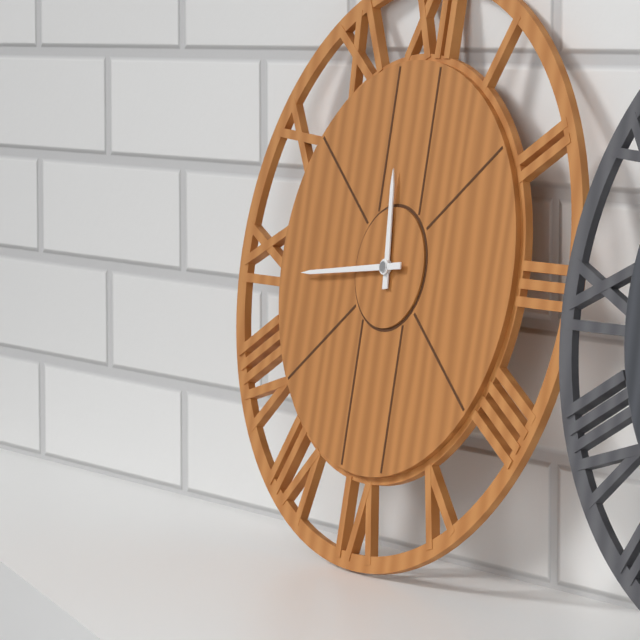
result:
11.44
